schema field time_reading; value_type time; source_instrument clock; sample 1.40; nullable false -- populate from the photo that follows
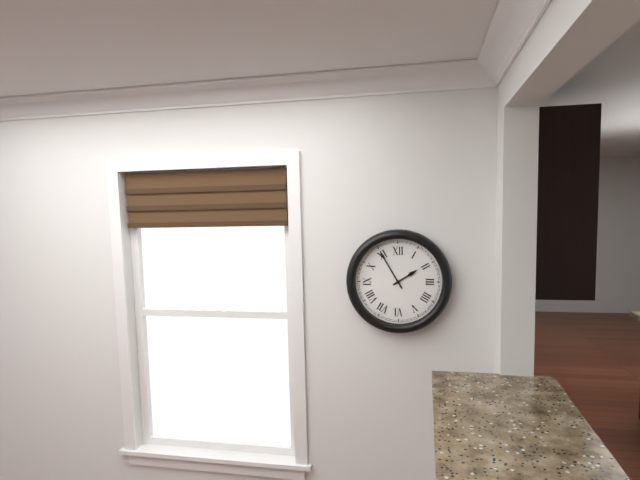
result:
1.55
